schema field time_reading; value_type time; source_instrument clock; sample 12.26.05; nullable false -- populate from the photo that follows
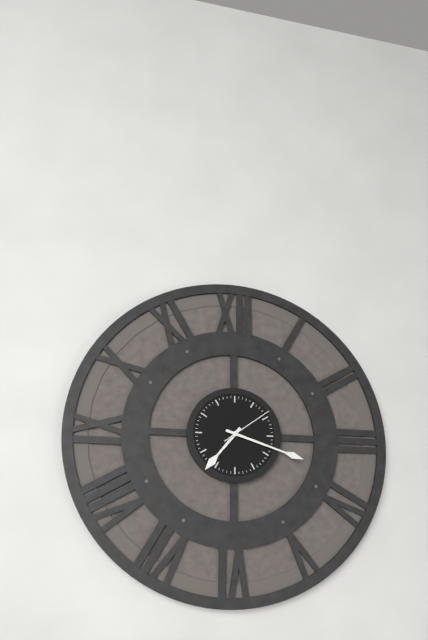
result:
7.18.09
